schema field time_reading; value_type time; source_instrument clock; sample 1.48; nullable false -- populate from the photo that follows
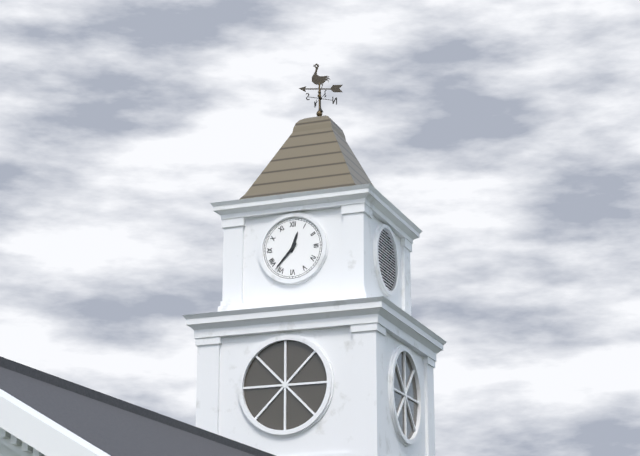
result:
12.37
